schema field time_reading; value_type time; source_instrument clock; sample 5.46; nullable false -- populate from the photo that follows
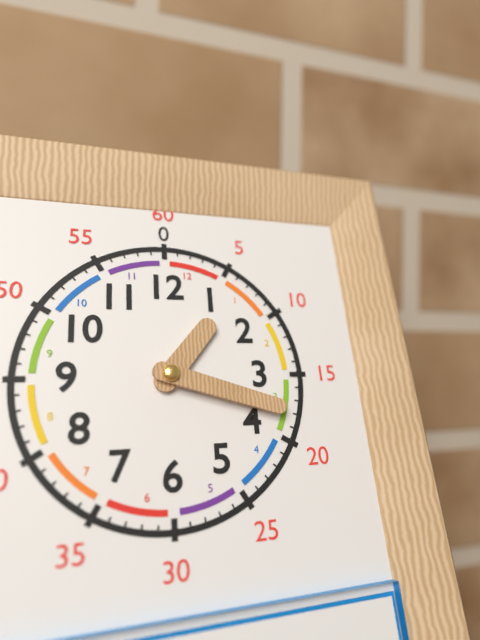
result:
1.18
